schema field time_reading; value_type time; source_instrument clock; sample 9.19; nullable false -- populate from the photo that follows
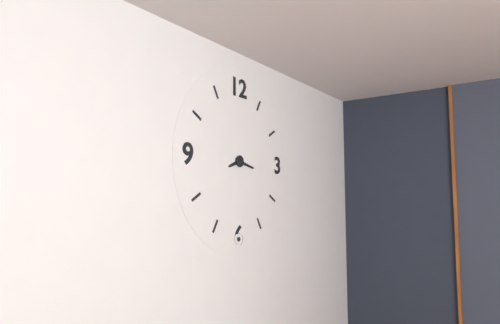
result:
8.17
